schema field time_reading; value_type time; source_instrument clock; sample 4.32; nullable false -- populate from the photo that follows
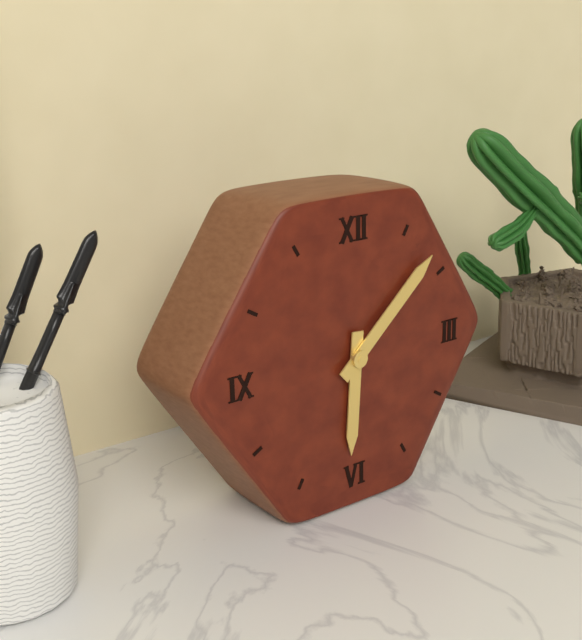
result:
6.08
